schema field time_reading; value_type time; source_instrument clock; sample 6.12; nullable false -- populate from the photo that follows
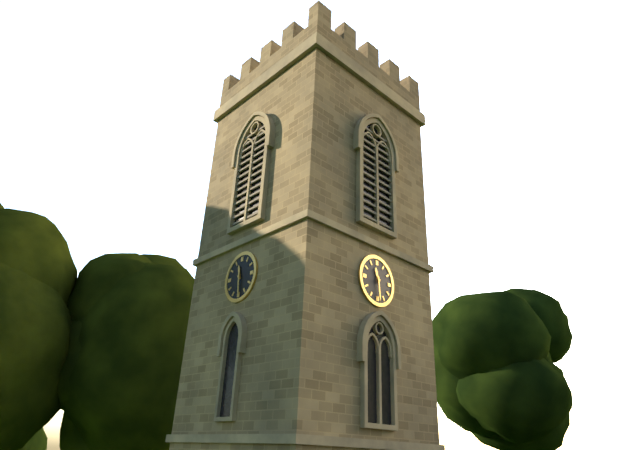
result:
11.29
